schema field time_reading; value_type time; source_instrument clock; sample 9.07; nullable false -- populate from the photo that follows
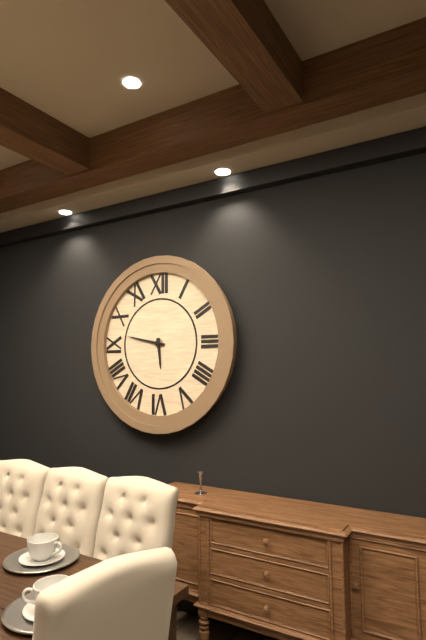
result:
5.47
